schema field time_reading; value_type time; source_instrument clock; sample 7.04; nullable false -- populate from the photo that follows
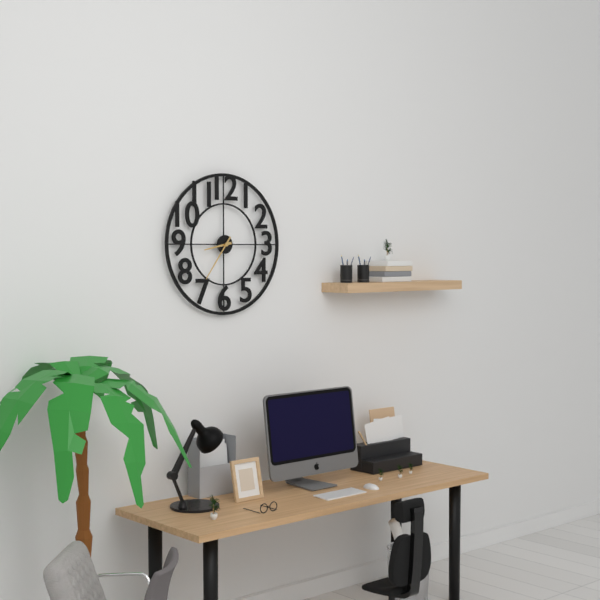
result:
8.36
